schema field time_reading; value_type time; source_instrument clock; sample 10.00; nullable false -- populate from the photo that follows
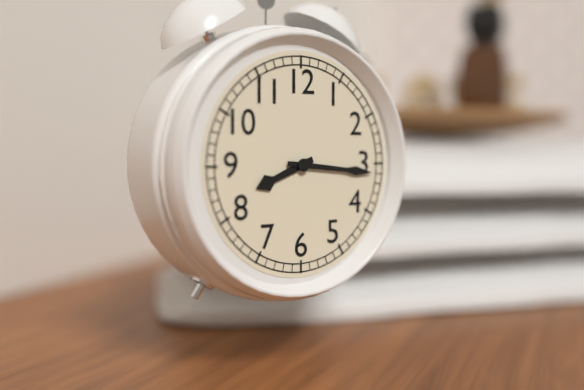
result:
8.16
